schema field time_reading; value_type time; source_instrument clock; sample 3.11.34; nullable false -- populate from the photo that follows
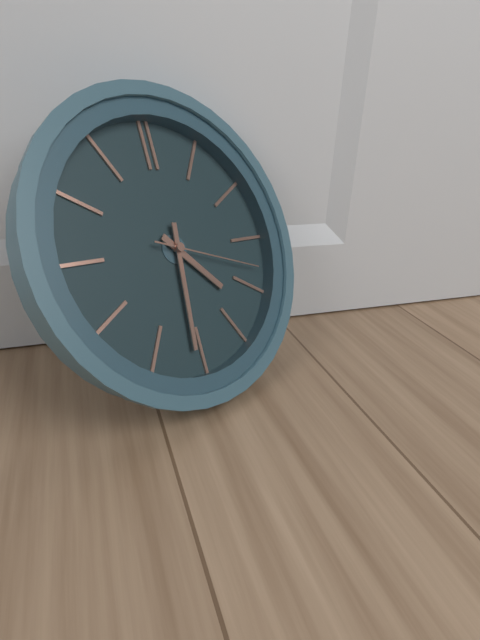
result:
4.31.18
